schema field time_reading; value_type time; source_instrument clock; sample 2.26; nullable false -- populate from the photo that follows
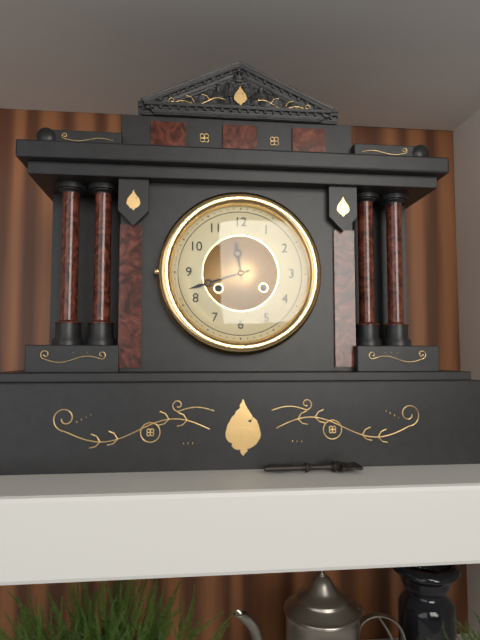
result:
11.42
